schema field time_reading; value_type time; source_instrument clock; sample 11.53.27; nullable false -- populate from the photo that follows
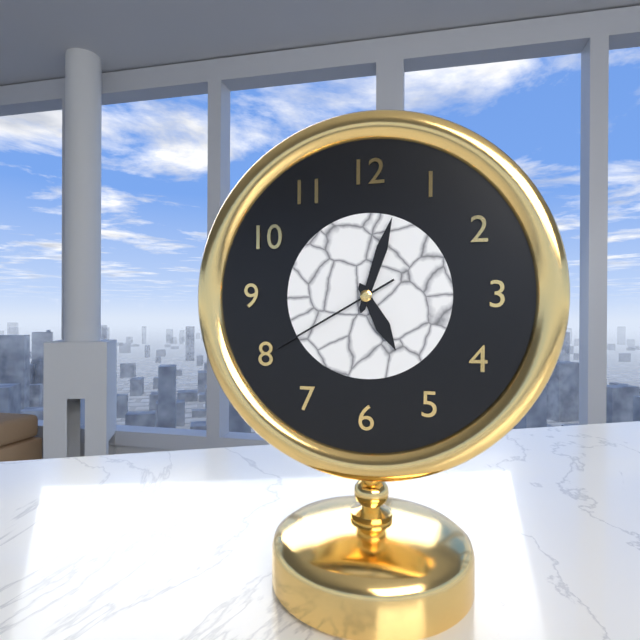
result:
5.03.40
